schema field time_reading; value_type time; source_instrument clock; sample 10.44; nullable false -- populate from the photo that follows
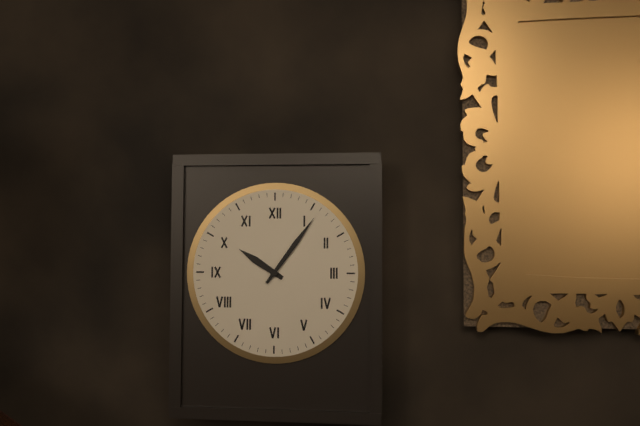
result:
10.06
